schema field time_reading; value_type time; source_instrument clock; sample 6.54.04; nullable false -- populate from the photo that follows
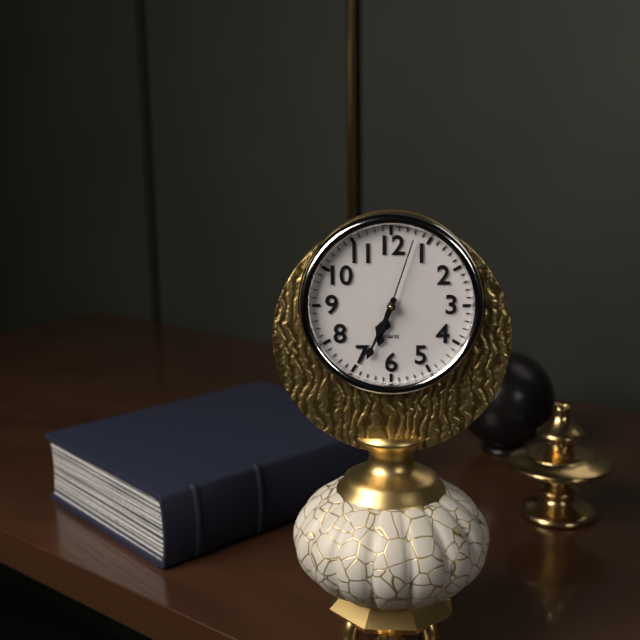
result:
6.34.03
